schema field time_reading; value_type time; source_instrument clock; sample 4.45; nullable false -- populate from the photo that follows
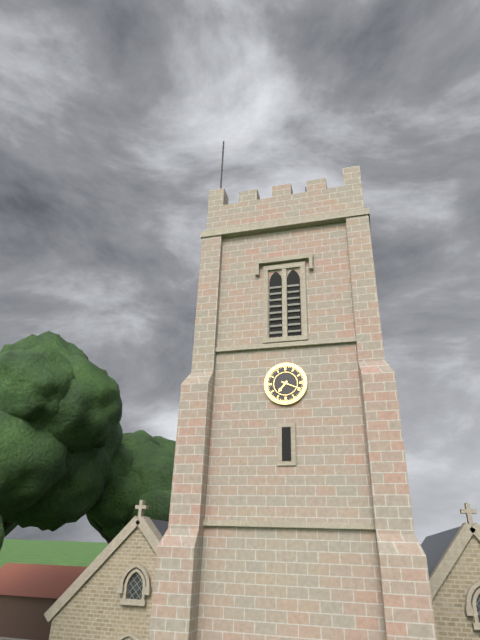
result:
7.19
